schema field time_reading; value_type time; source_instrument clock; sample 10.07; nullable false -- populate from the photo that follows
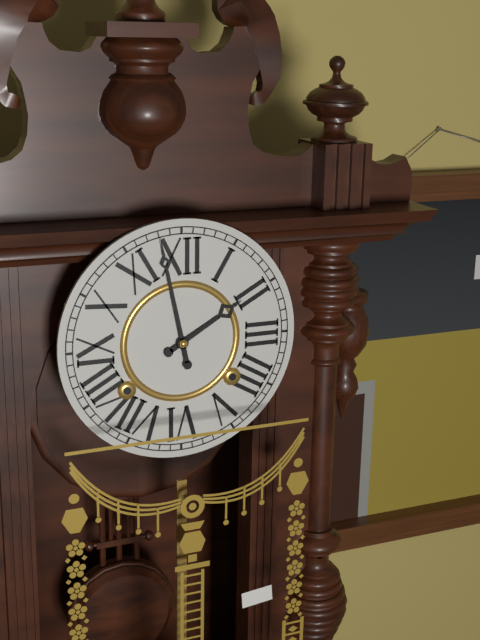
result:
1.58
